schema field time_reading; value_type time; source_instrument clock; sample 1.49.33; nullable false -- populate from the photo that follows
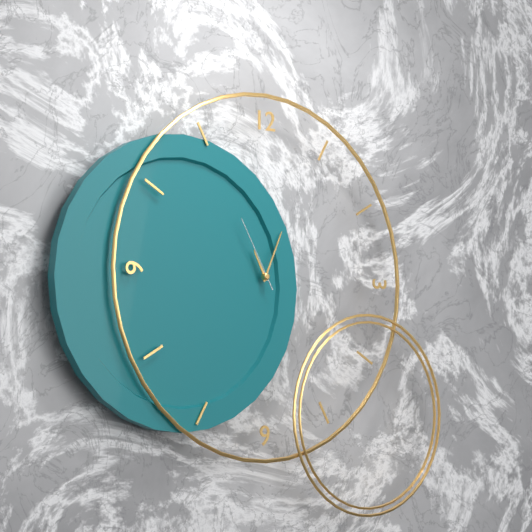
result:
11.04.55
